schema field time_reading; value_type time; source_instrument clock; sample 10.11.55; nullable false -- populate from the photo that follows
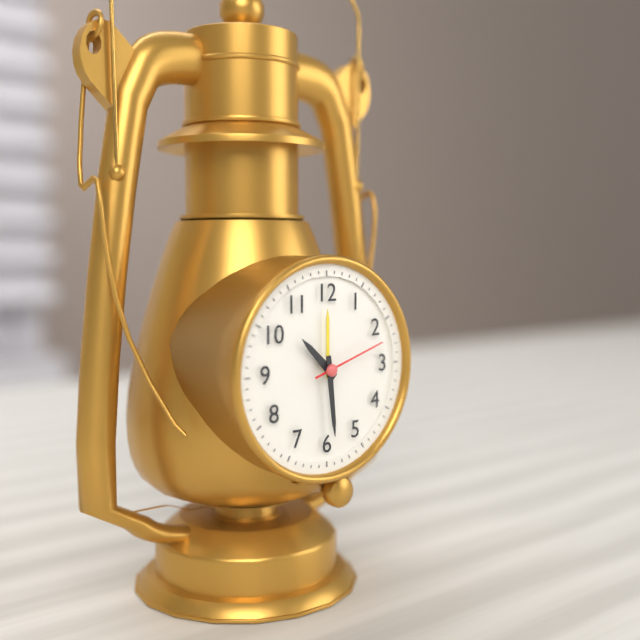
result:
10.29.12
